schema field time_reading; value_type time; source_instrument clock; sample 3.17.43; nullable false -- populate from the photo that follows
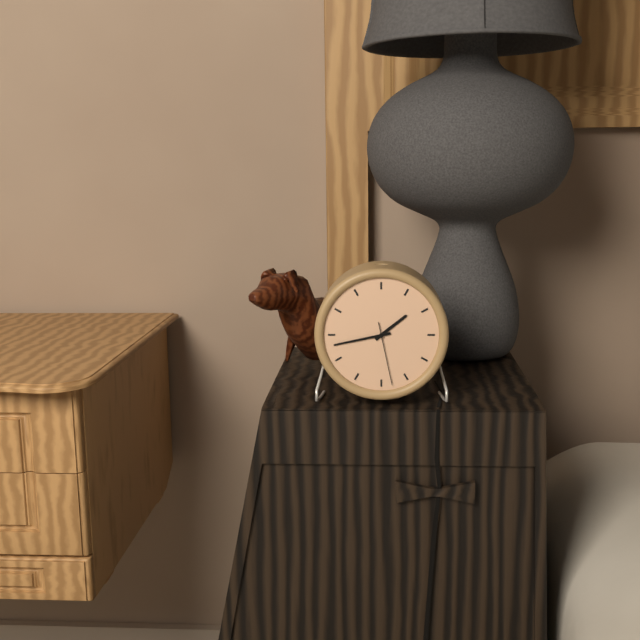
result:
1.43.28
